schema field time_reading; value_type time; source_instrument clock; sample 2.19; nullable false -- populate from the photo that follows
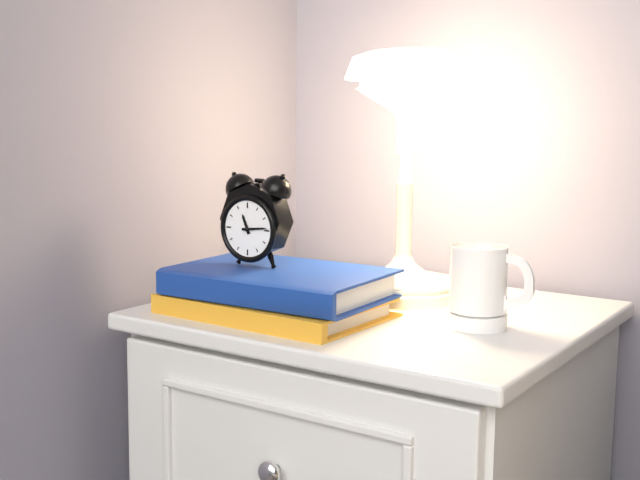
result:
11.14
